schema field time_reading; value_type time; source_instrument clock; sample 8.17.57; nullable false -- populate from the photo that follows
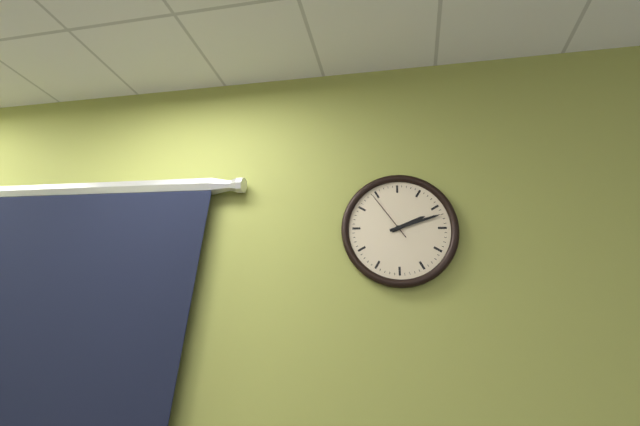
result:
2.12.54
